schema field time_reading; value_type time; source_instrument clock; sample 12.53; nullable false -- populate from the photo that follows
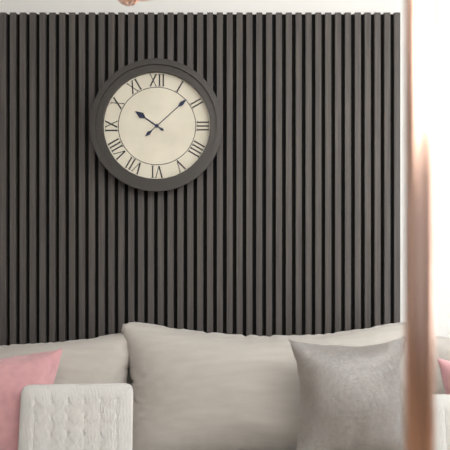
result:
10.08
